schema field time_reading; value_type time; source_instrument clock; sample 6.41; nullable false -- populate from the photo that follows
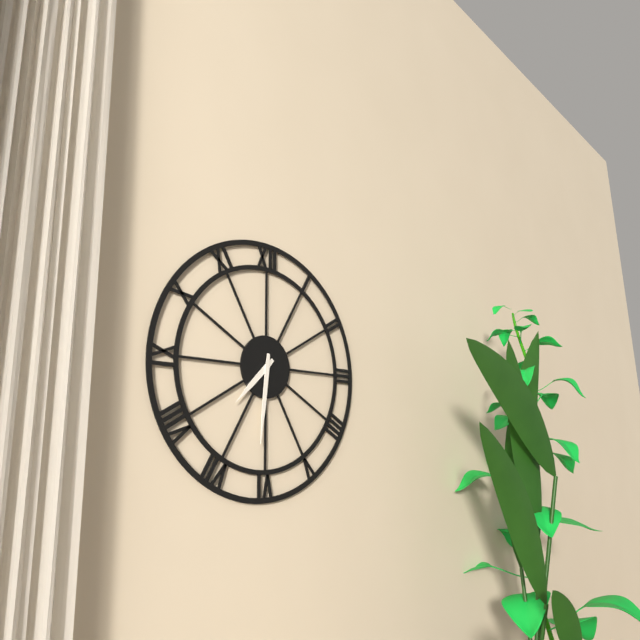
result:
7.31
